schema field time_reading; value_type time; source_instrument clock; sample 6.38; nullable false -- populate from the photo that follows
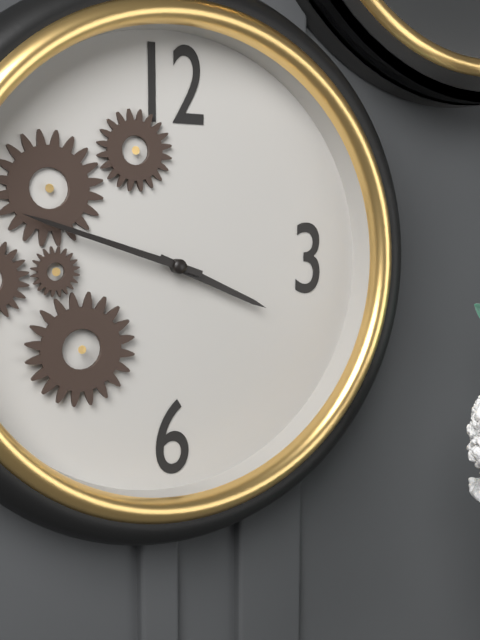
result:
3.48
